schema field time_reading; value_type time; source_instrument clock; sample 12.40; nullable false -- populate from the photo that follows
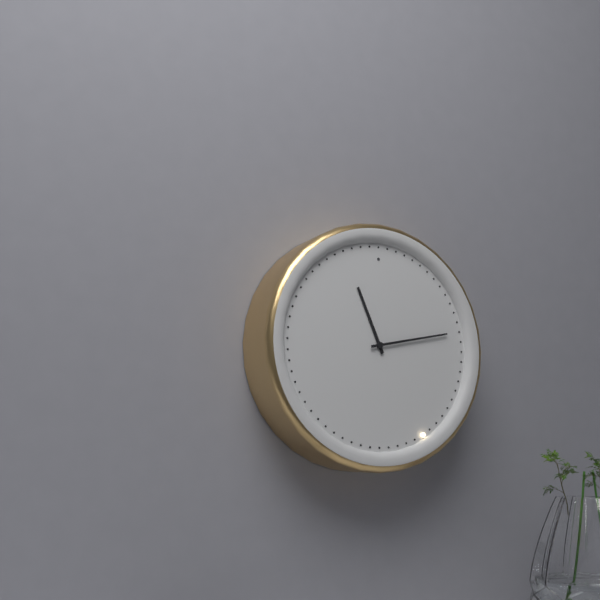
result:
11.13
